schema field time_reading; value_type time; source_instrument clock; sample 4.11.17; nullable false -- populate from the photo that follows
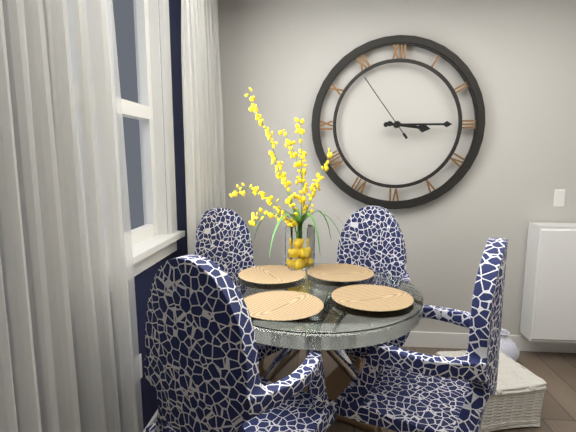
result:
3.15.54
